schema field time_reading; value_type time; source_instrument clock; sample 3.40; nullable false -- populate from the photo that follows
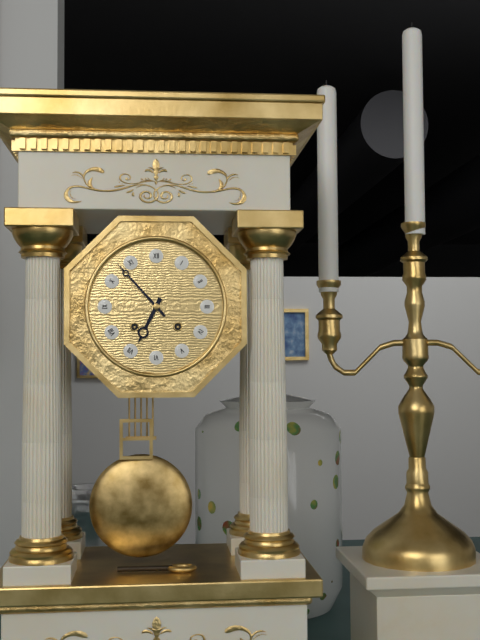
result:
6.53
